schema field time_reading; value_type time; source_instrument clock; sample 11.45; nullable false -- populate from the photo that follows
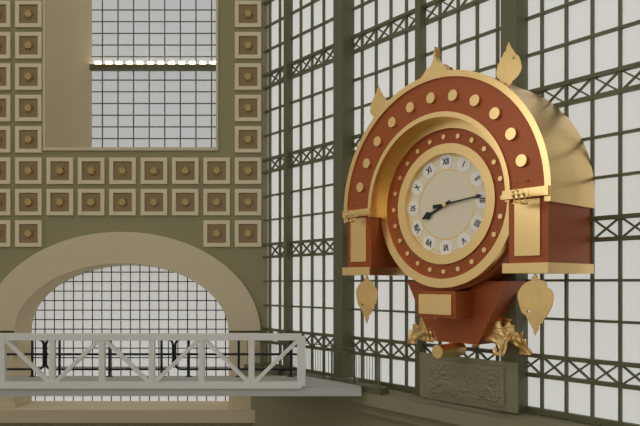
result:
8.14
